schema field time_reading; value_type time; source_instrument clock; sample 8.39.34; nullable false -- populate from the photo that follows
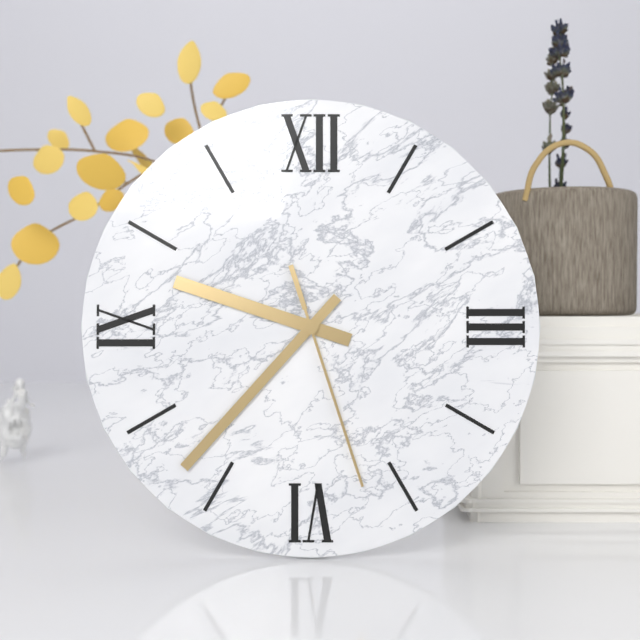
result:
9.37.27
